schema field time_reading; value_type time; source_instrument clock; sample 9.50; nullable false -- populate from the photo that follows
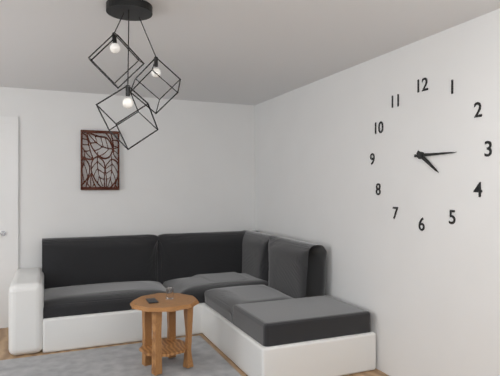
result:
4.15
